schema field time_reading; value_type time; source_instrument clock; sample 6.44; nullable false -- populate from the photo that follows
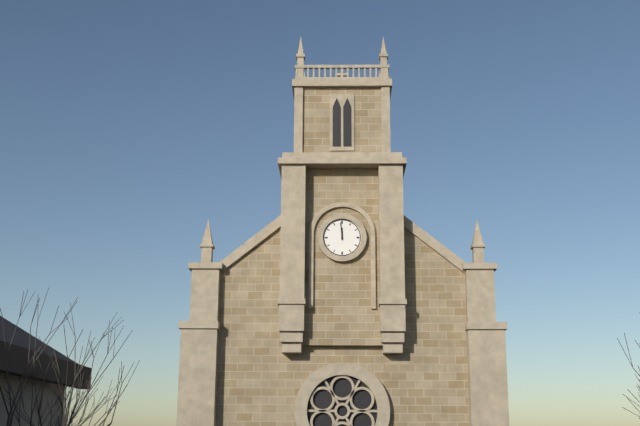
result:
11.59
